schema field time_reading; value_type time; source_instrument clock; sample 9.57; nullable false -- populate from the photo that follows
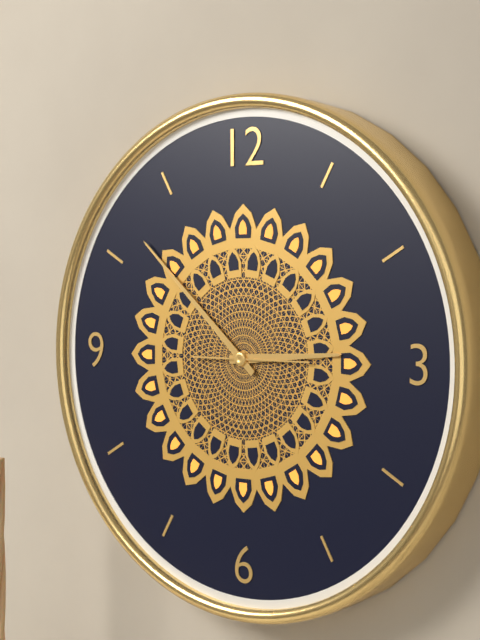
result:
2.52
